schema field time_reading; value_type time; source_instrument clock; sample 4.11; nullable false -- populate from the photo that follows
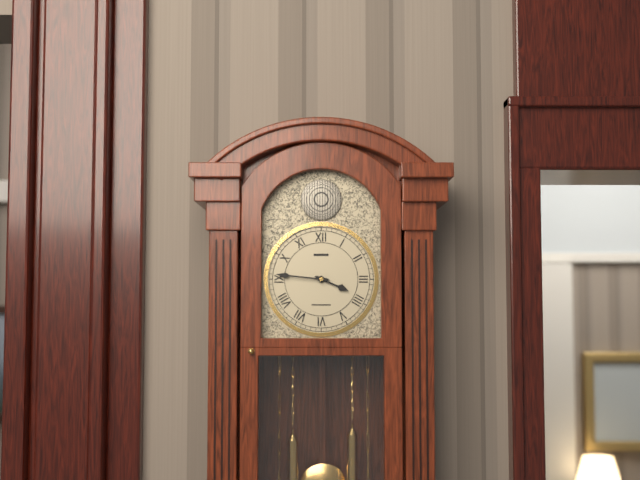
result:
3.46
